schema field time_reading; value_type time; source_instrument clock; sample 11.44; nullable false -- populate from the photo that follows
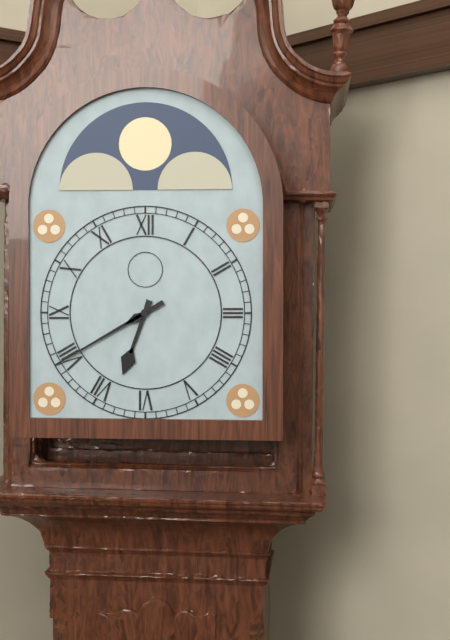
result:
6.40
